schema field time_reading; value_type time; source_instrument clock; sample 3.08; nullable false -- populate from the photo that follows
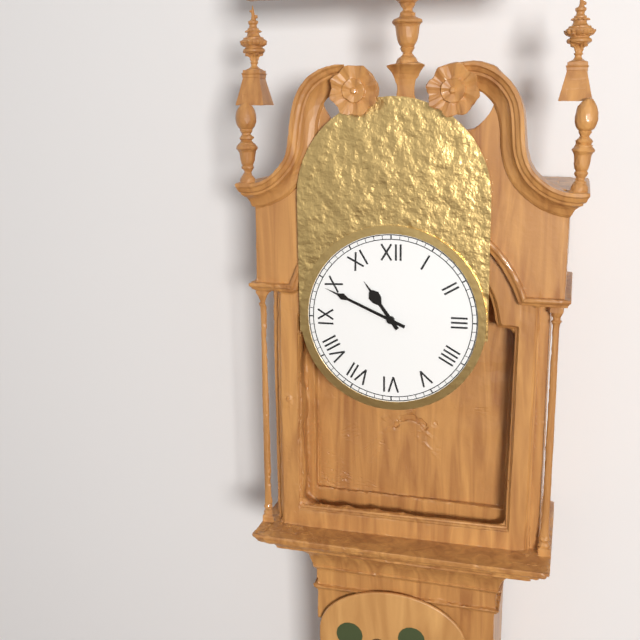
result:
10.49
